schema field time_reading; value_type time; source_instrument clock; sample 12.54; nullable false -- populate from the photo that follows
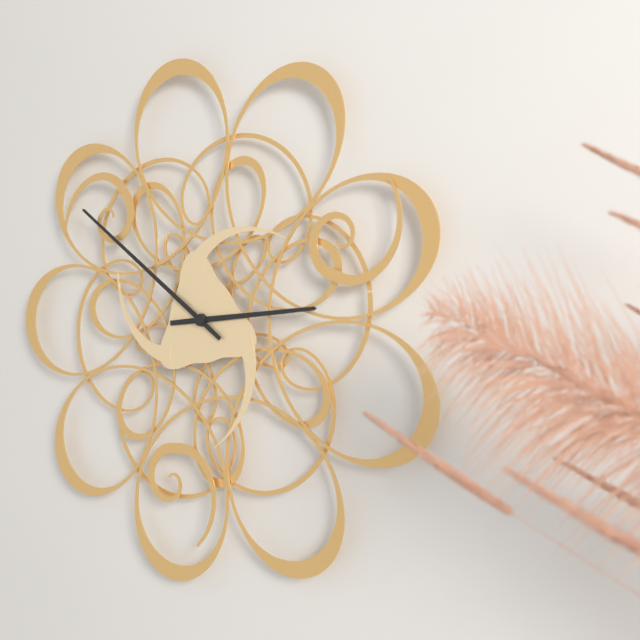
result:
2.51
